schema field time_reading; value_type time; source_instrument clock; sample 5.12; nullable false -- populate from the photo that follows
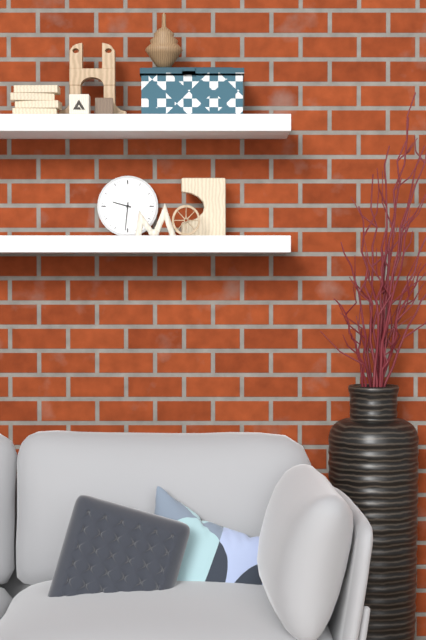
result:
9.31
